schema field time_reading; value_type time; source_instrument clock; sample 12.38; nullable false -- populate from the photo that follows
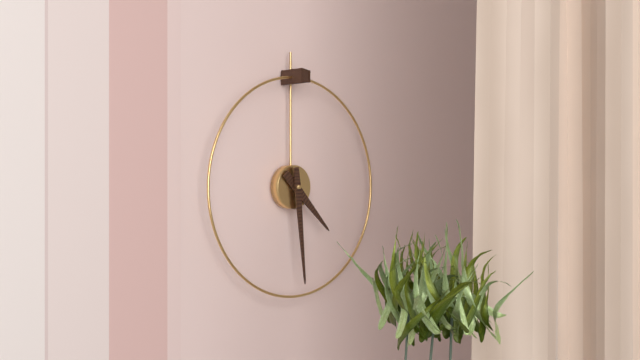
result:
4.29
